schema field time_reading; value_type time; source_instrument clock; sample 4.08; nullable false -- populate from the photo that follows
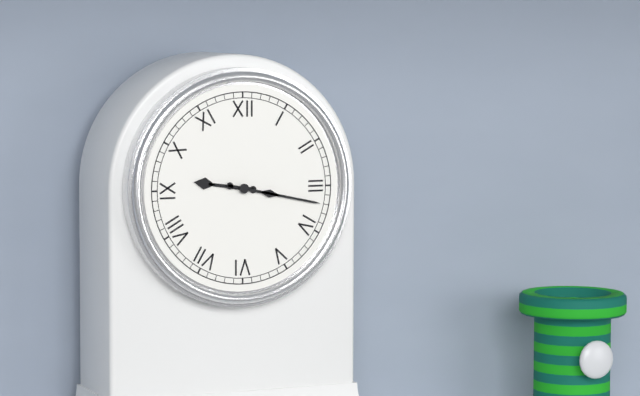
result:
9.17
